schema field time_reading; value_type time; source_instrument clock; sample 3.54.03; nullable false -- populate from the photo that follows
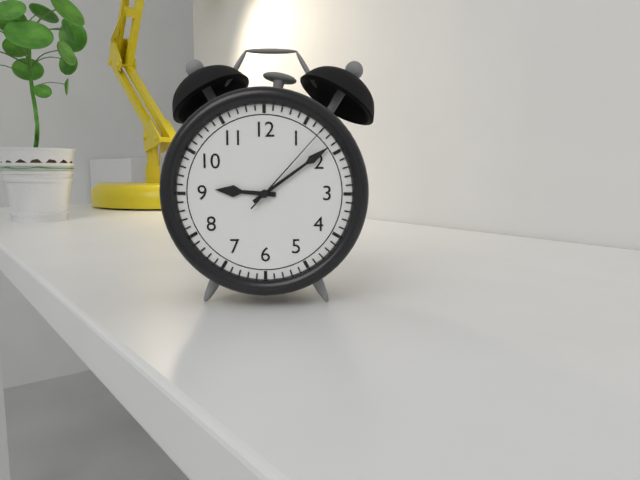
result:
9.09.07
